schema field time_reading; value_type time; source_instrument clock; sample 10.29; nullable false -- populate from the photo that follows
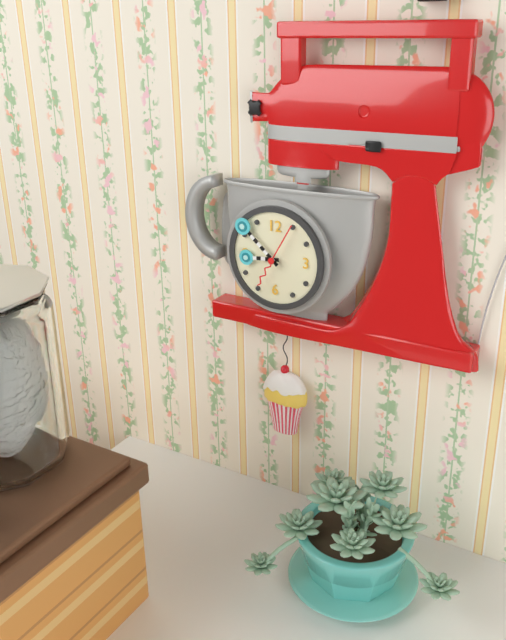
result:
8.52
